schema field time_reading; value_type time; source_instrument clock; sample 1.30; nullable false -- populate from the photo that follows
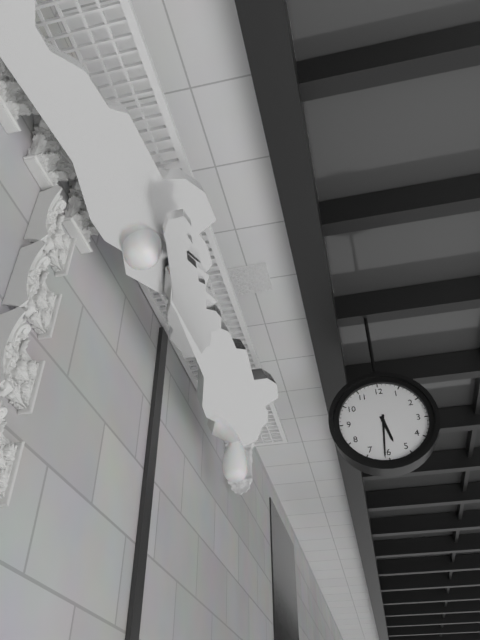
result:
5.31
